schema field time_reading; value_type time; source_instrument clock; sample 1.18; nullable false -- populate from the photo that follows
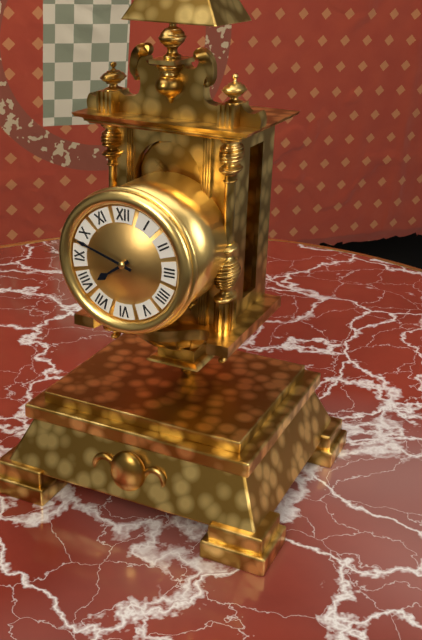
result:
7.48
